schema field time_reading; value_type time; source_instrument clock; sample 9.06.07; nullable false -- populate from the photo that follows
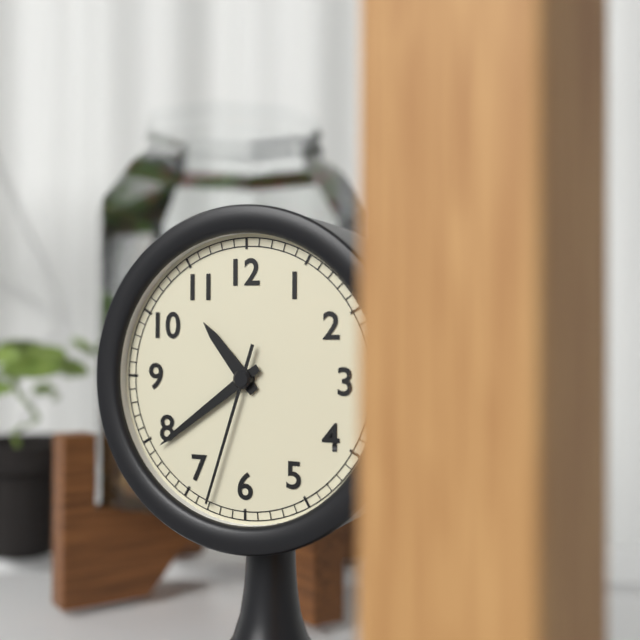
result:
10.39.33
